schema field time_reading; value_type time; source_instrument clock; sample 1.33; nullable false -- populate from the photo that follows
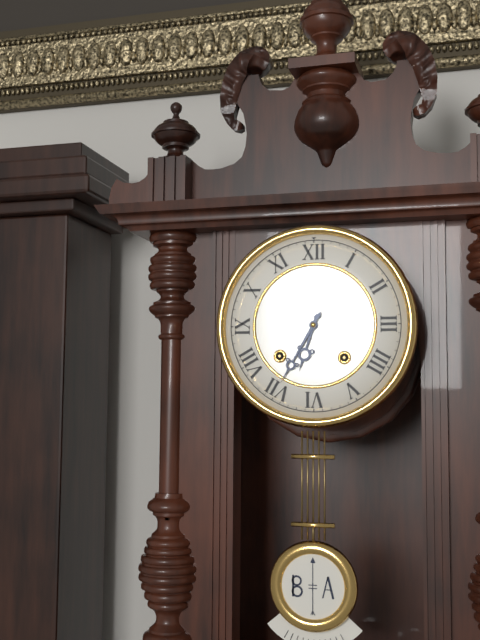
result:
6.35
